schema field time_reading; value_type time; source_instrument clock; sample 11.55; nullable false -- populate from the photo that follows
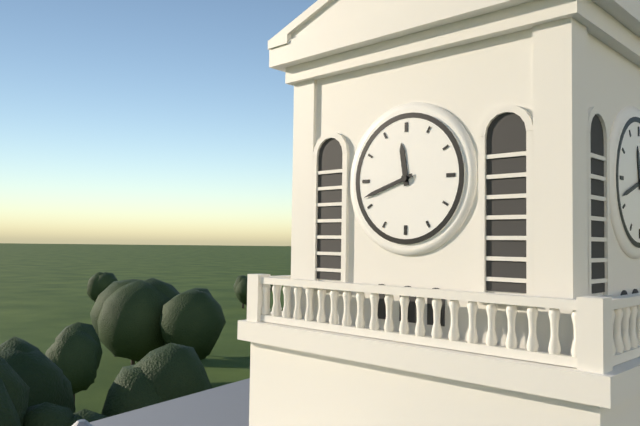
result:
11.42
